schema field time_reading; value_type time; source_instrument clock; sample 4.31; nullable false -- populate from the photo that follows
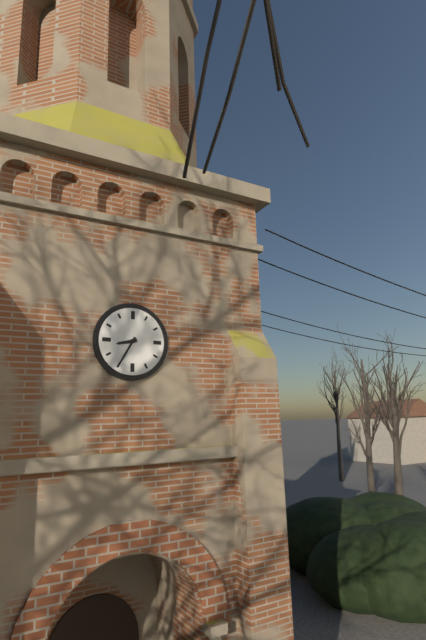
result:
8.35
